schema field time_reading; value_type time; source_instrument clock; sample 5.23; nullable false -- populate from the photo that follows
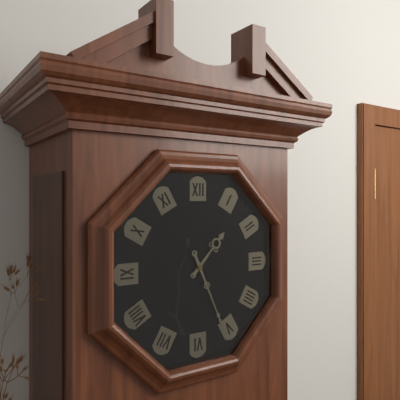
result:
1.26
